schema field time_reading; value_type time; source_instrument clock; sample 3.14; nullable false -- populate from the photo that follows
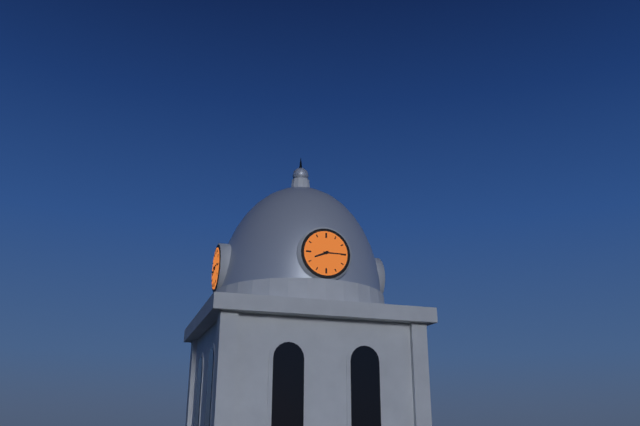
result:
8.15
